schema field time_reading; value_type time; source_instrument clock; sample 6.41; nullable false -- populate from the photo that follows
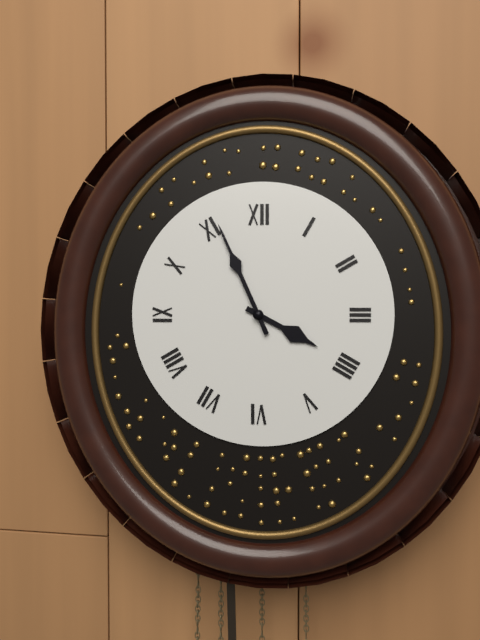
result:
3.56
